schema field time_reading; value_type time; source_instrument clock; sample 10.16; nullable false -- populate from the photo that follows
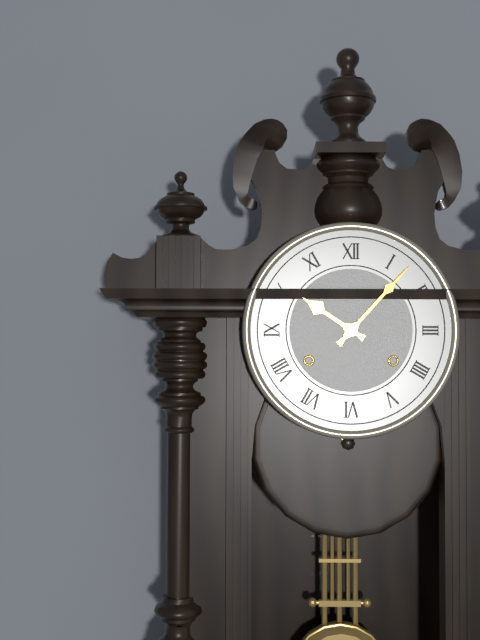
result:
10.07
